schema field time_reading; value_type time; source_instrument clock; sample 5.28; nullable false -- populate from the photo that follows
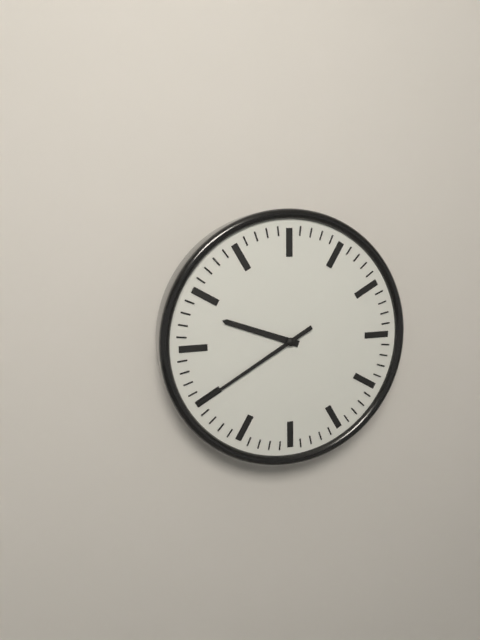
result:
9.40
